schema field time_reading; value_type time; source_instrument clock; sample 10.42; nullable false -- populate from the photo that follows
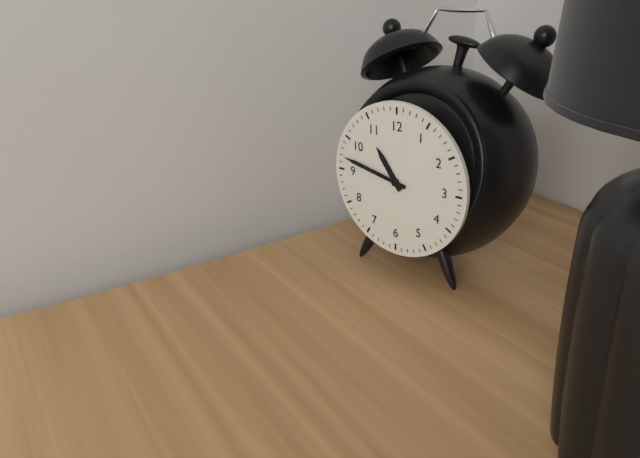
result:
10.47
